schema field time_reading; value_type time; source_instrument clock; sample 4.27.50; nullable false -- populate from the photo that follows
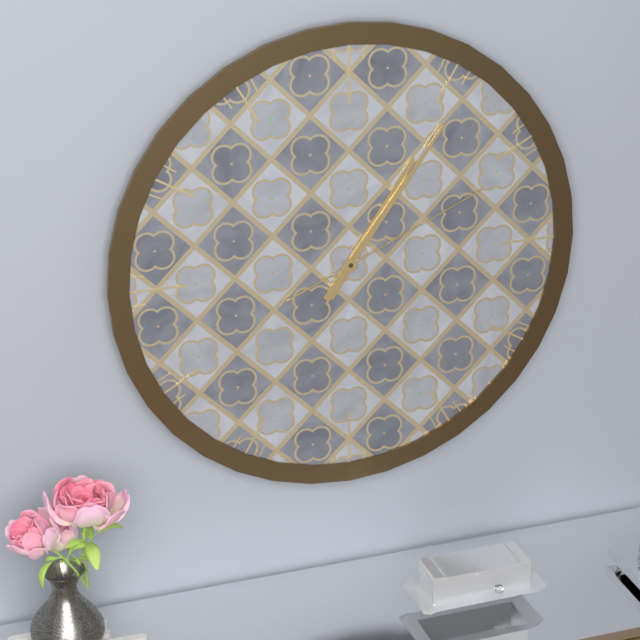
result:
1.06.11
